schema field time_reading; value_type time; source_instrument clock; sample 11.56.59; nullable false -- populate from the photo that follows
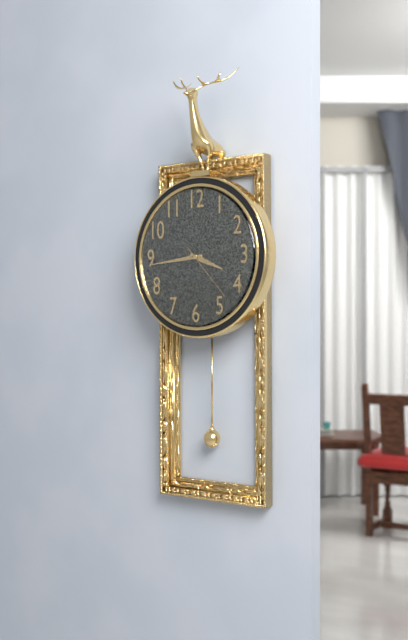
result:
3.44.23
